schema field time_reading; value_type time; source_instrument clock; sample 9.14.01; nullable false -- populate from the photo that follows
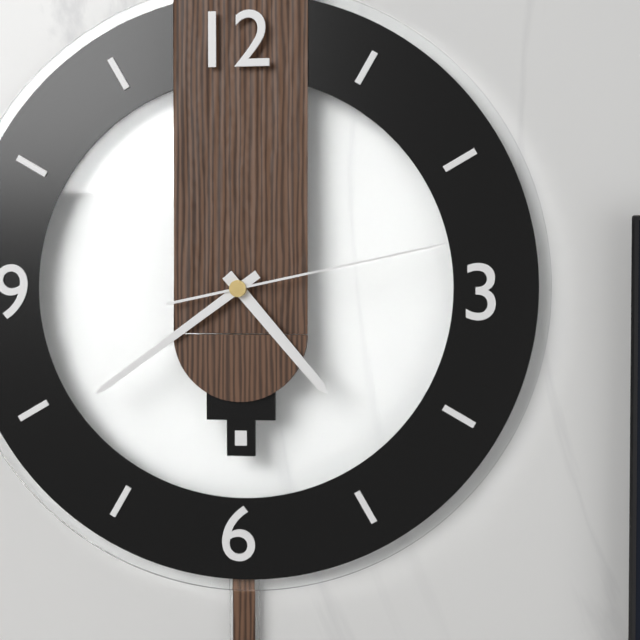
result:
4.39.13
